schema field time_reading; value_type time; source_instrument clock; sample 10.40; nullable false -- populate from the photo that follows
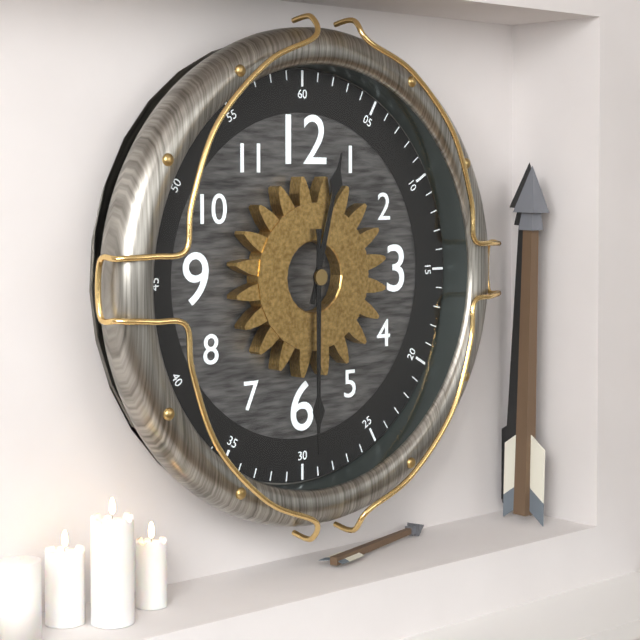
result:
12.30
